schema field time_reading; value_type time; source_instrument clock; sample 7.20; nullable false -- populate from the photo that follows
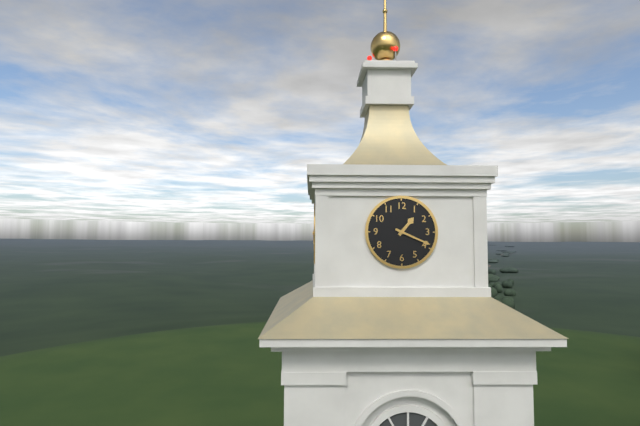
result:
1.19
